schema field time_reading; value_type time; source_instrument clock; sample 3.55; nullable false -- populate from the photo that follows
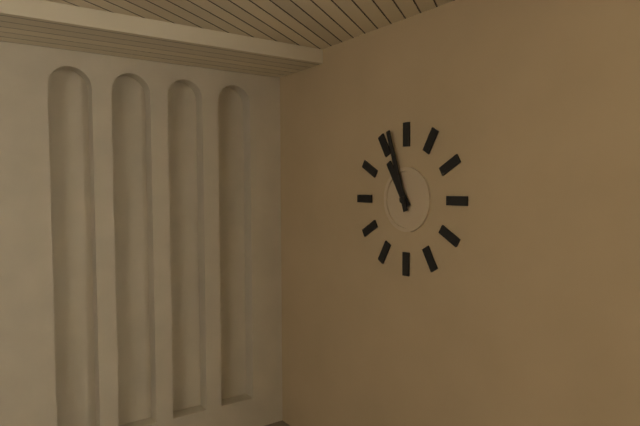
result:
10.57
